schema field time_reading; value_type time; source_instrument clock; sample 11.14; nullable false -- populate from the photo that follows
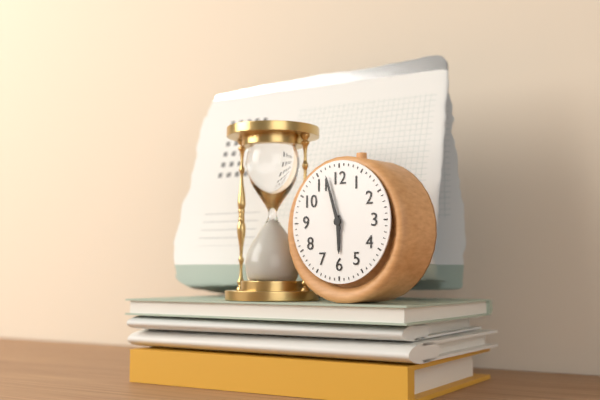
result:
5.57
